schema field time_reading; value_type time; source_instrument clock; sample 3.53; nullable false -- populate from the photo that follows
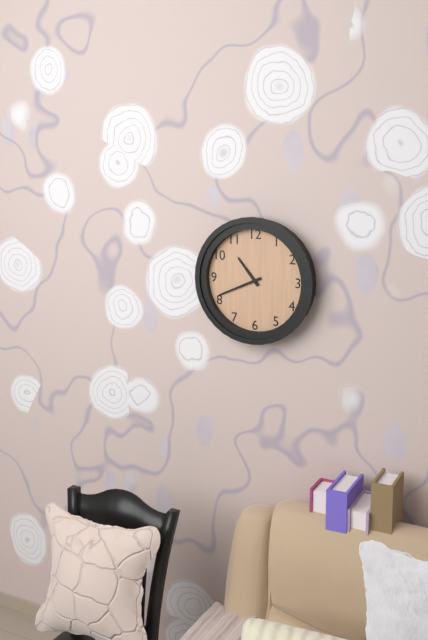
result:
10.41
